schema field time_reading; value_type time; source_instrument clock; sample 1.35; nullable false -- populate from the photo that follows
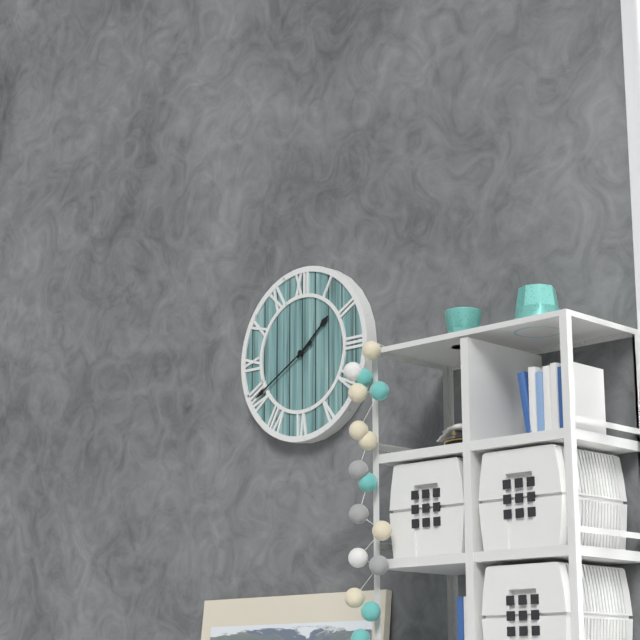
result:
1.40
